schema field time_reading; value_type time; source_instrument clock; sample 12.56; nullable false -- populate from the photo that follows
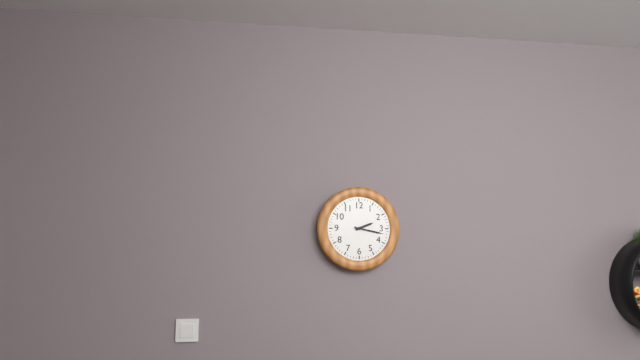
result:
2.17
